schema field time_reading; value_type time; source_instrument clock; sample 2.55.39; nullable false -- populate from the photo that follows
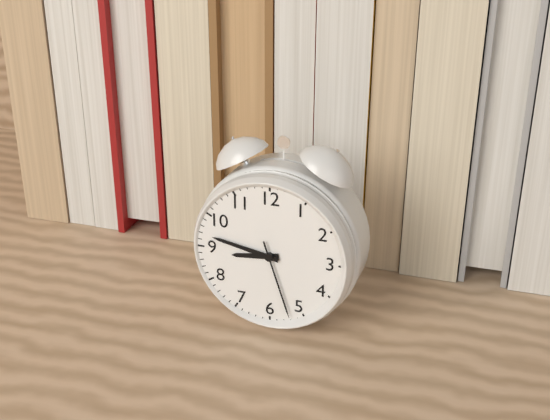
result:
8.47.27
